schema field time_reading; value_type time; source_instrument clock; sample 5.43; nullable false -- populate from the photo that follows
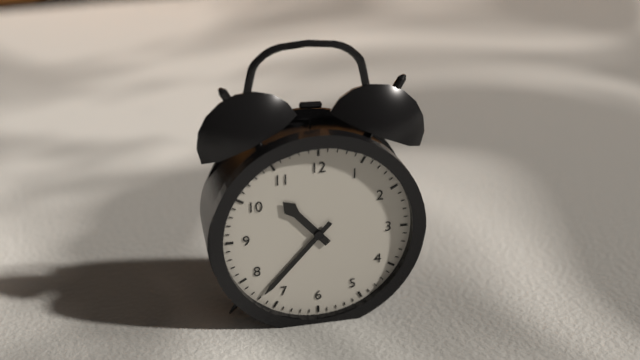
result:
10.37
